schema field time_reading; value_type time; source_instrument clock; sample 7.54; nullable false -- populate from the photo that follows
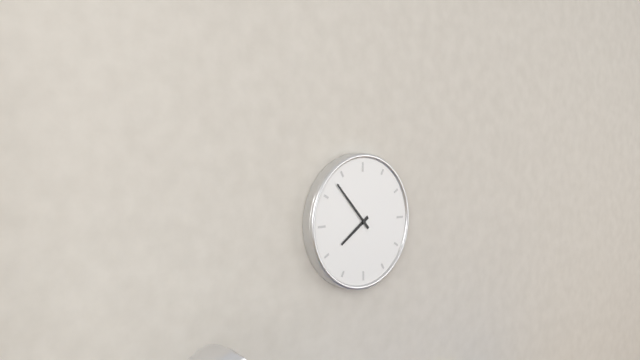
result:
7.53
